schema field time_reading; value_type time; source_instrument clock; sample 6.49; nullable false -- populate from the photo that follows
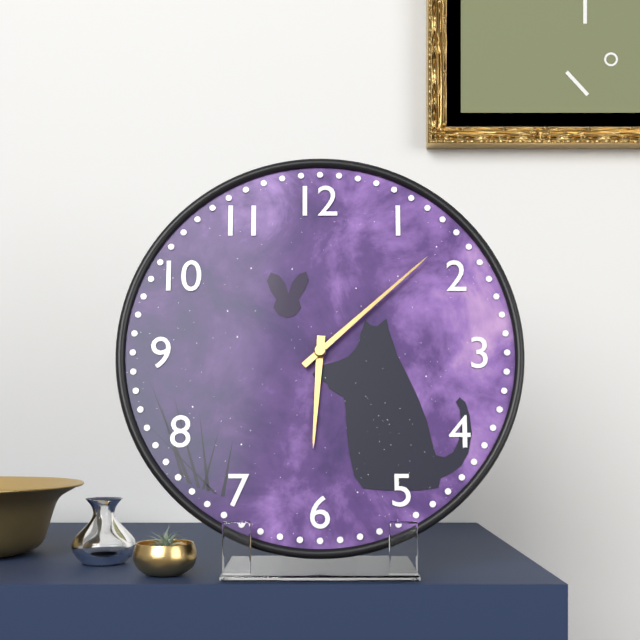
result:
6.08
